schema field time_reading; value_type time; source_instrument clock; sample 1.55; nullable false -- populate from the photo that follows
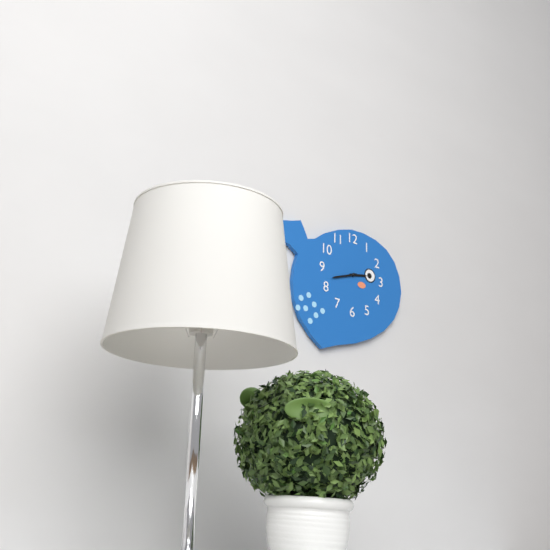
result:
2.42
